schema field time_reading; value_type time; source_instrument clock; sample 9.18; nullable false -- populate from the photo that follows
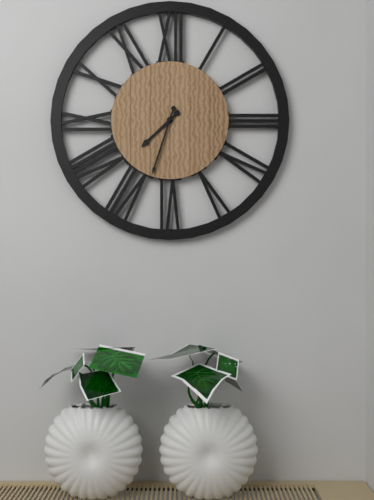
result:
7.33
